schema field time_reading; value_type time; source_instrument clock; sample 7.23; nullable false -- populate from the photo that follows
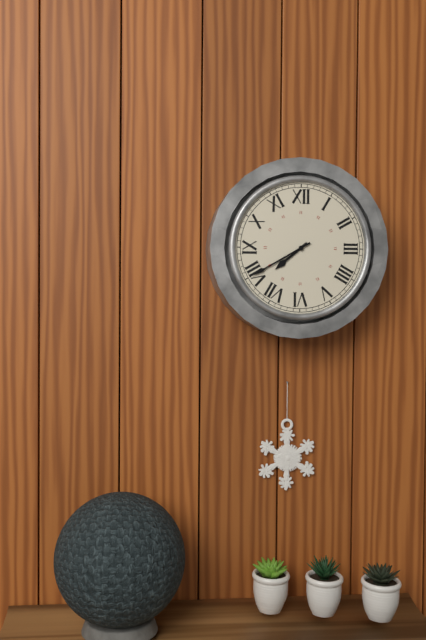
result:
7.40
